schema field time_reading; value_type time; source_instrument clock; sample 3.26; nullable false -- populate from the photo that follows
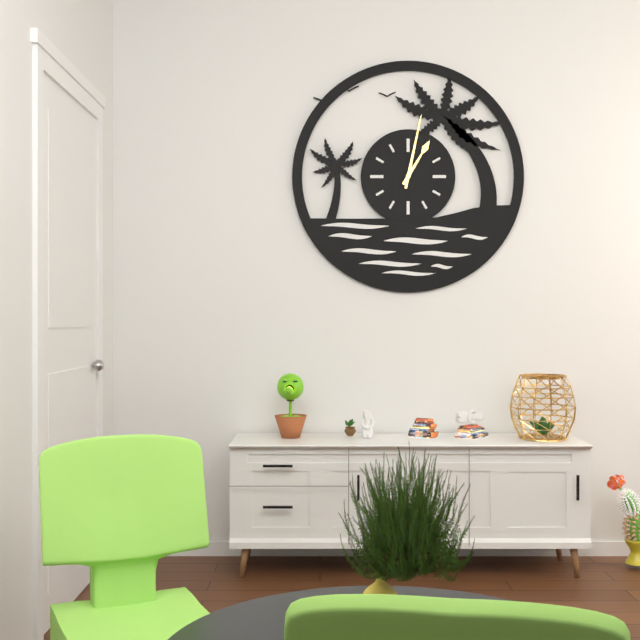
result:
1.02
